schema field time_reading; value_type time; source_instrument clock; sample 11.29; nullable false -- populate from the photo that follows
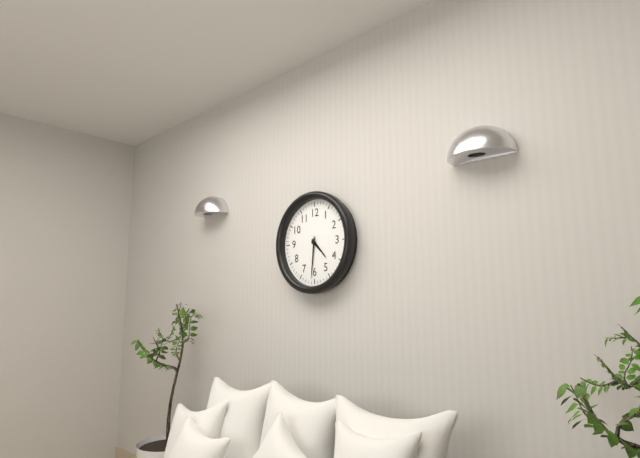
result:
4.31
